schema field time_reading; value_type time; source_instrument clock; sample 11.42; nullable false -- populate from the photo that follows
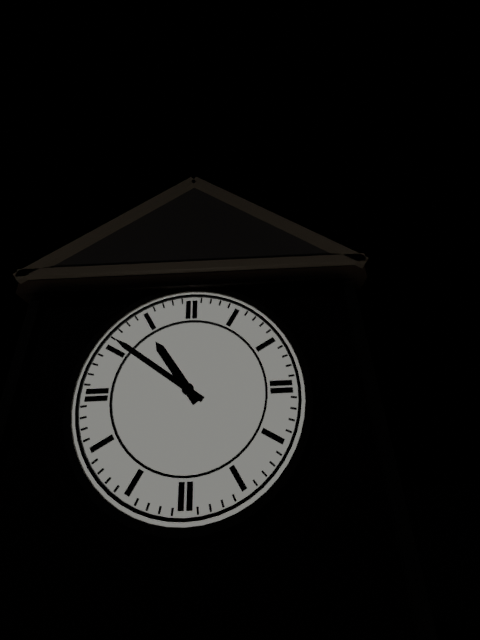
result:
10.51
